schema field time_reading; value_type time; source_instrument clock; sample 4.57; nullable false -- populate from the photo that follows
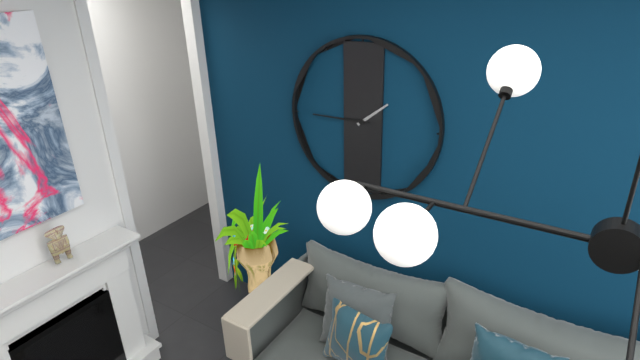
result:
1.45
